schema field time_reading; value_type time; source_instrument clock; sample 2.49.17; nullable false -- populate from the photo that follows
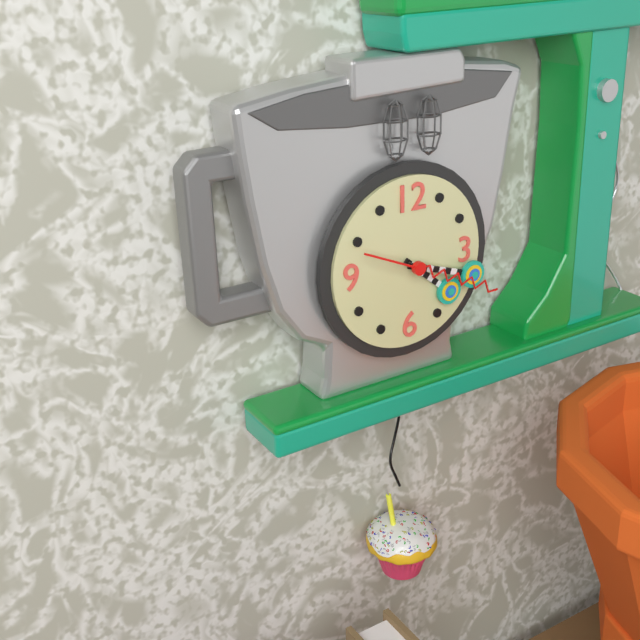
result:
4.18.19
